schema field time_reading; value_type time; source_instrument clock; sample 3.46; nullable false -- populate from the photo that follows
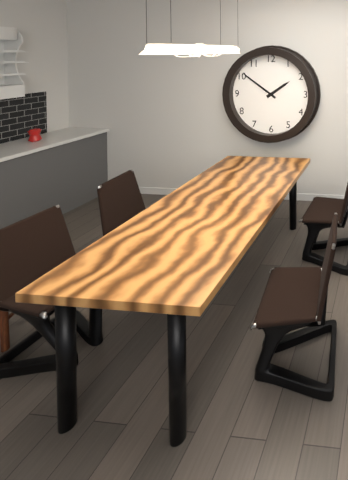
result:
1.51
